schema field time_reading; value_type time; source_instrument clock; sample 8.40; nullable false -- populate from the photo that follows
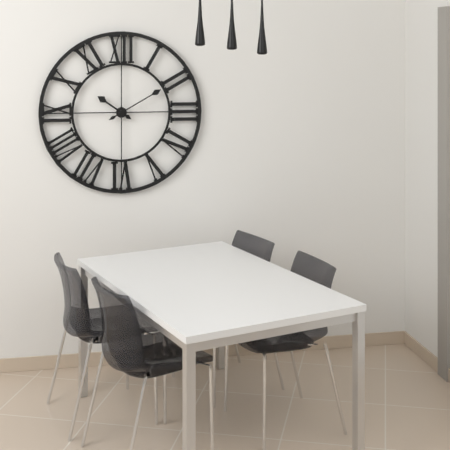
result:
10.10
